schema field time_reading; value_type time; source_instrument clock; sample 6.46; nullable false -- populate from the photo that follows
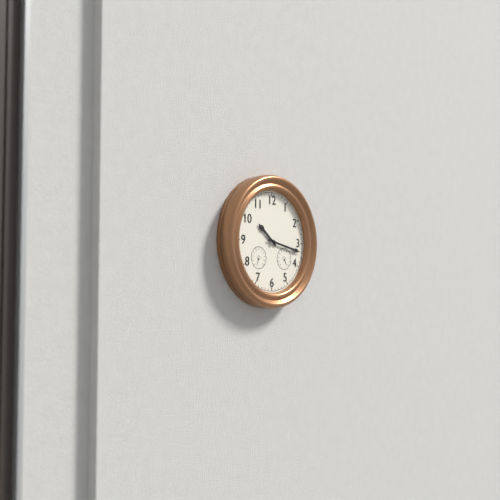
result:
10.17
